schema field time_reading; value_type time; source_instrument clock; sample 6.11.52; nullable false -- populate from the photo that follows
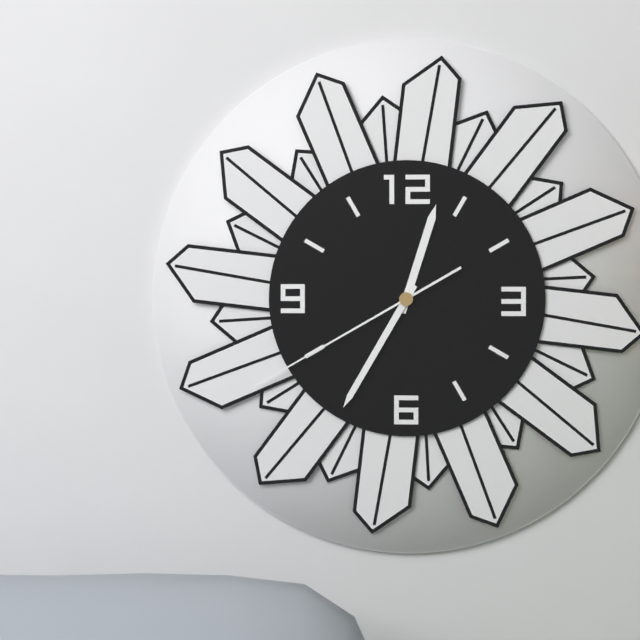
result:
12.35.40
